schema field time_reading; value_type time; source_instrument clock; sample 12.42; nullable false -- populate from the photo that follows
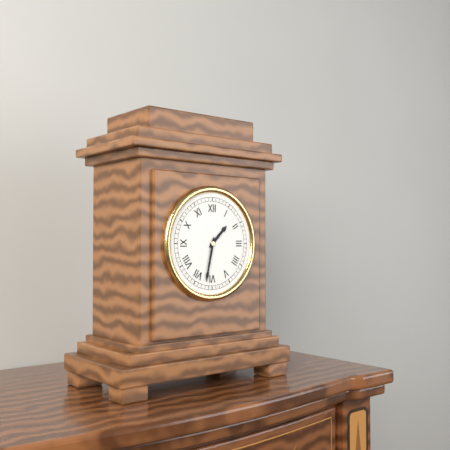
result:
1.32
